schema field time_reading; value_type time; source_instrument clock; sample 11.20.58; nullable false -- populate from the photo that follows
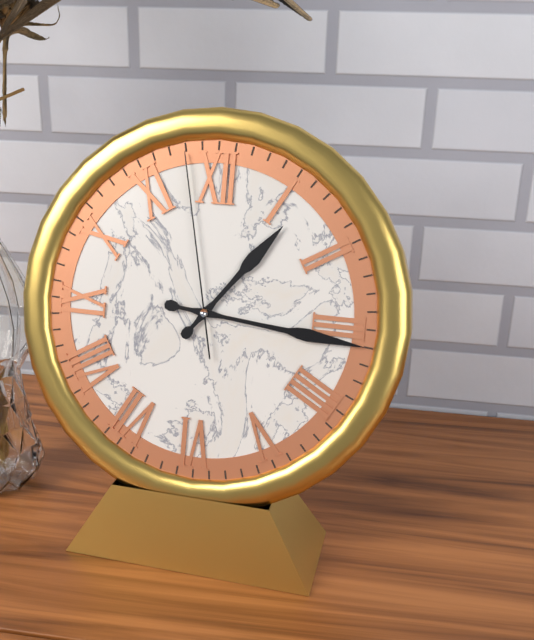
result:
1.16.58
